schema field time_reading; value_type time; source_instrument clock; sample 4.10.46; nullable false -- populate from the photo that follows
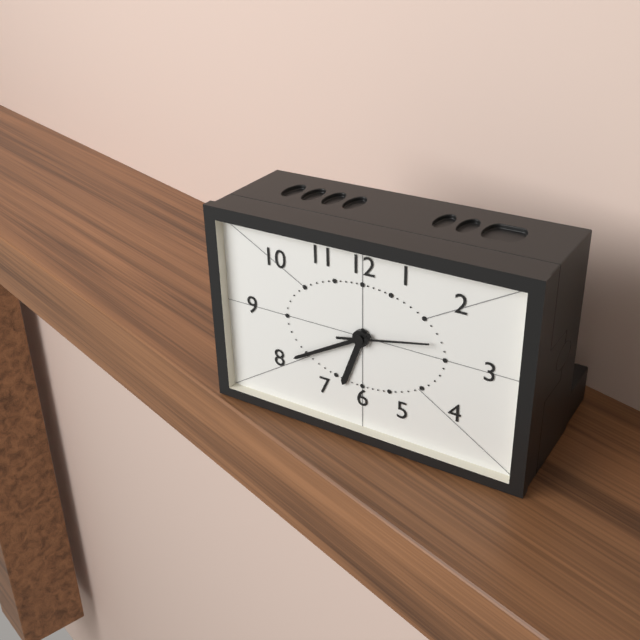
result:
6.40.13
